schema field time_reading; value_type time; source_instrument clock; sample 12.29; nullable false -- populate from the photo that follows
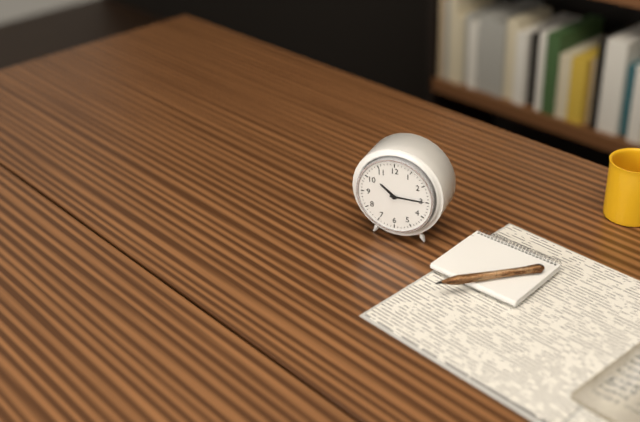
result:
10.15
